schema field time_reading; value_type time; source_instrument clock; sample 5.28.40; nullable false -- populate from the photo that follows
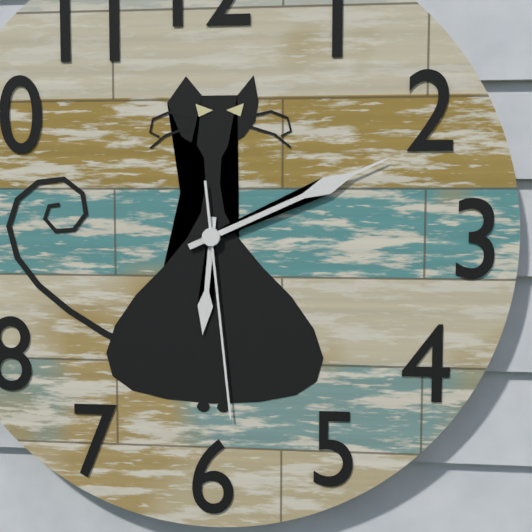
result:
6.11.29
